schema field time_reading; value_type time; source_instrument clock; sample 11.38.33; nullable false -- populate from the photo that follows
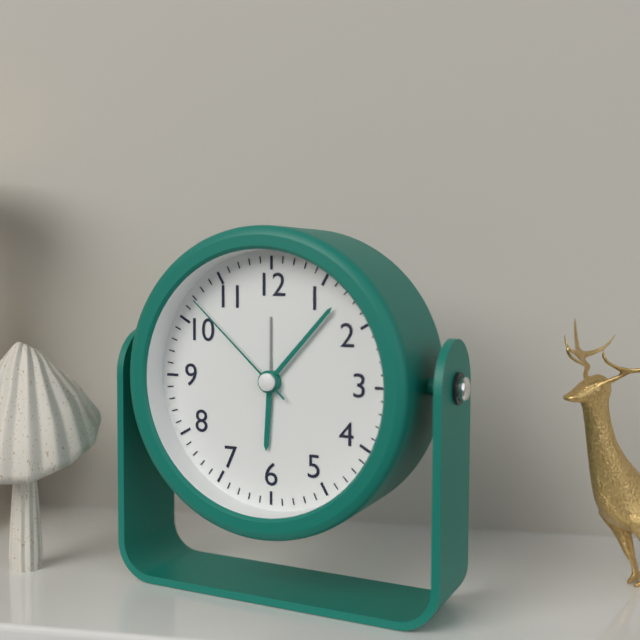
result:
6.07.52
